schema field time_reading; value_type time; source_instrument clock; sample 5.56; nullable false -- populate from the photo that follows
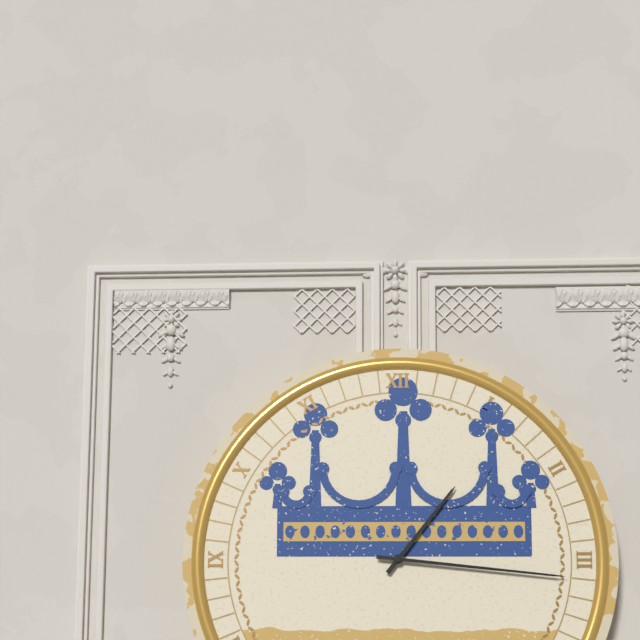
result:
1.16
